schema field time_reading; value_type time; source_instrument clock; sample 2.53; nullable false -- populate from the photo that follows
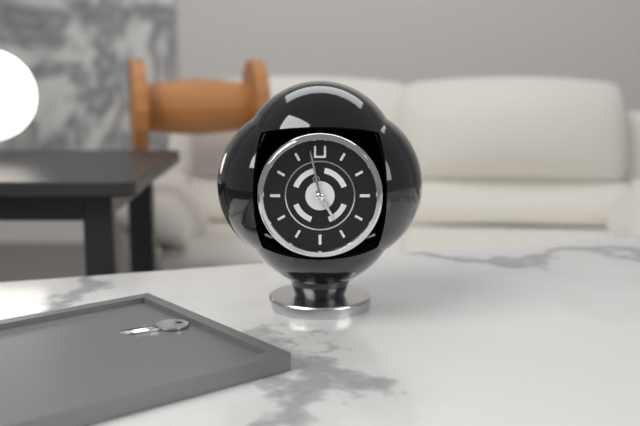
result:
4.58
